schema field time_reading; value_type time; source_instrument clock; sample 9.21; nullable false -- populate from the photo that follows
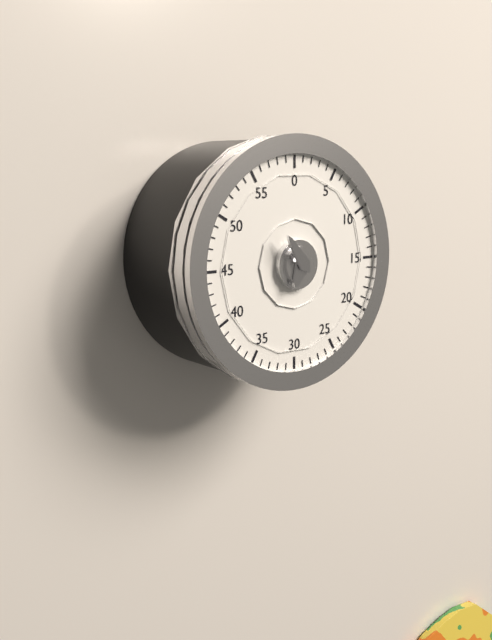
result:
6.54
